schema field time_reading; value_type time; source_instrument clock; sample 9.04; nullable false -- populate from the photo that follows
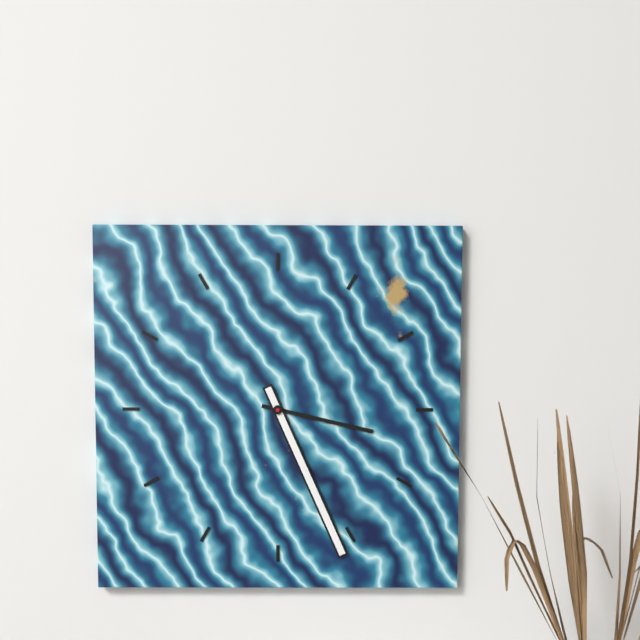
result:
3.26
